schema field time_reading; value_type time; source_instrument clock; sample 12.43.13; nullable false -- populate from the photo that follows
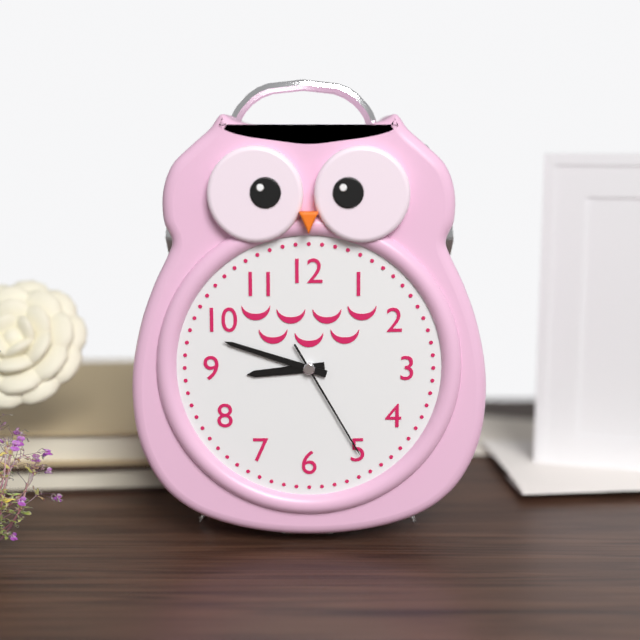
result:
8.48.25
